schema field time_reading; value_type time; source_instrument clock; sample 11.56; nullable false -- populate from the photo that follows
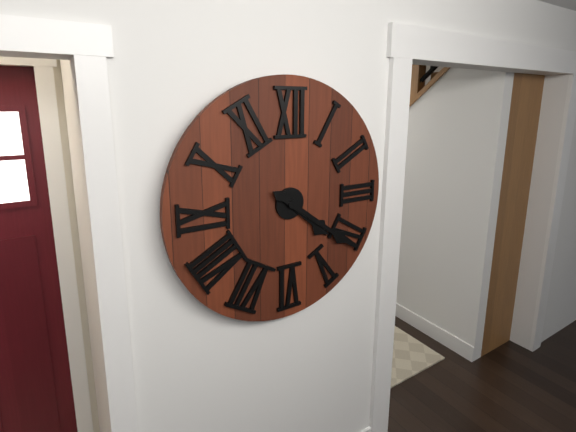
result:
4.21
